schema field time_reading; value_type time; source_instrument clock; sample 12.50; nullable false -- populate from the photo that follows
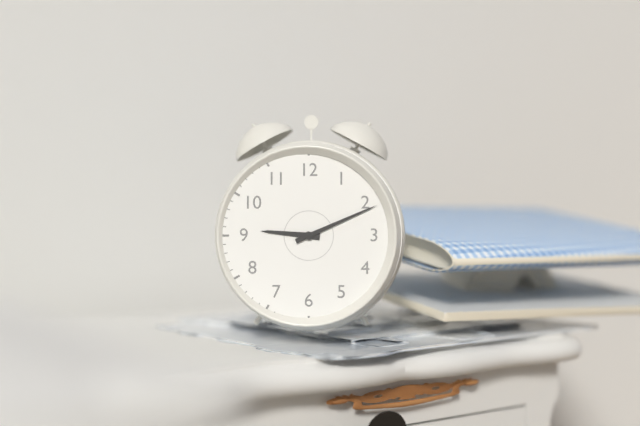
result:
9.11
